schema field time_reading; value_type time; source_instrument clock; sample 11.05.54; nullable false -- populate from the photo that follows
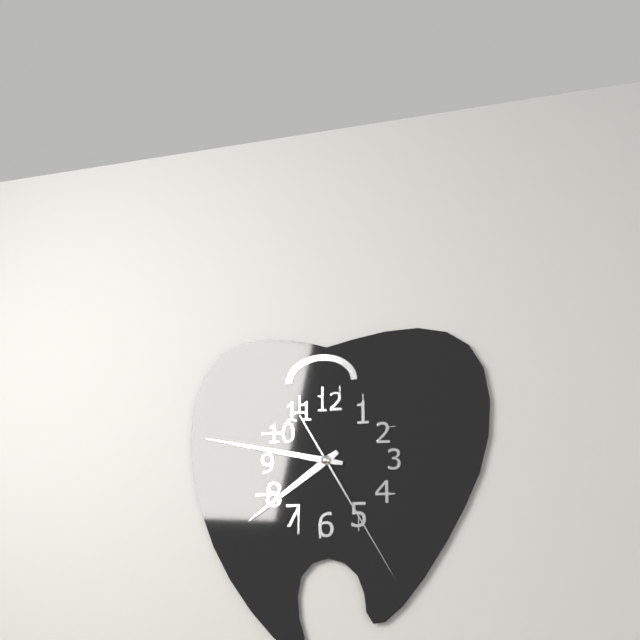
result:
7.47.25
